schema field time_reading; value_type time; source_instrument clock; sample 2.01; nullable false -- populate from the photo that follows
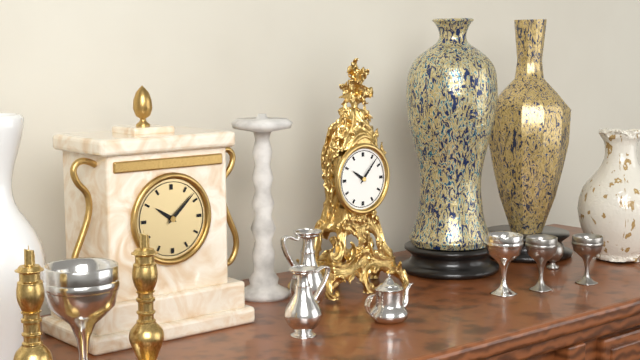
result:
10.07
